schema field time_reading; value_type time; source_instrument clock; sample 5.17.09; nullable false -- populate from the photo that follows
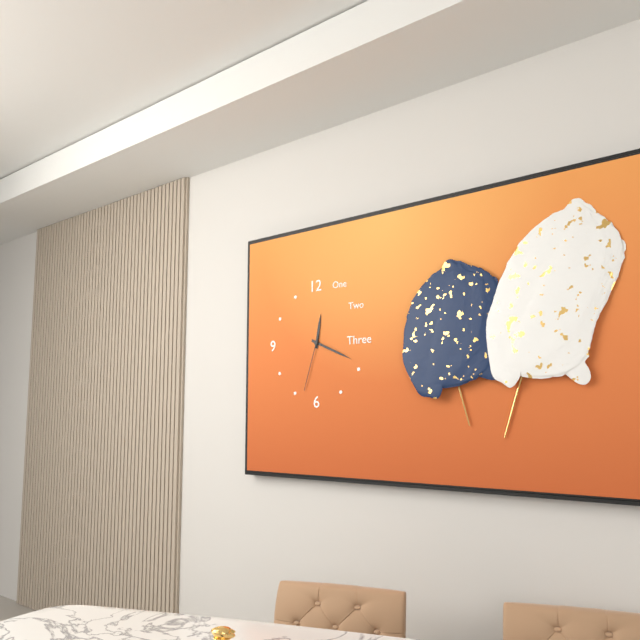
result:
12.19.33
